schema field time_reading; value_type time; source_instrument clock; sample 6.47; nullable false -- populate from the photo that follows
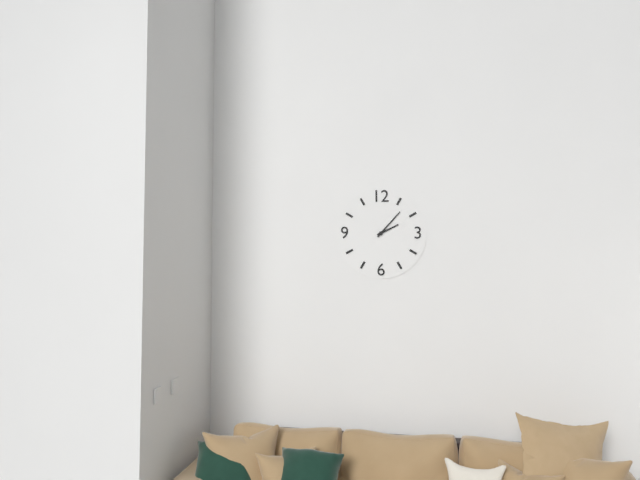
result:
2.07
